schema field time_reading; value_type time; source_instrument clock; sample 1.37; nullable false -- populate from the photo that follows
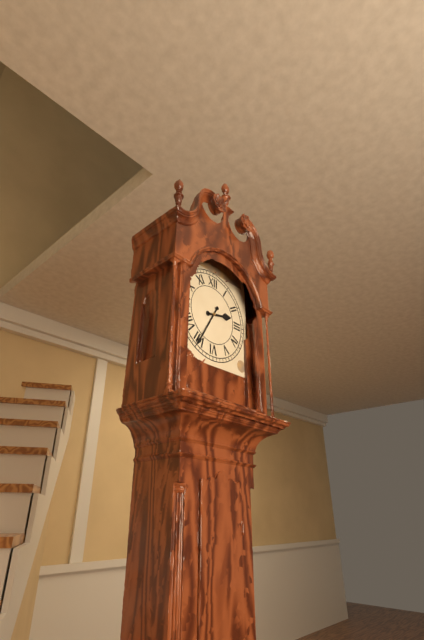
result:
2.35
